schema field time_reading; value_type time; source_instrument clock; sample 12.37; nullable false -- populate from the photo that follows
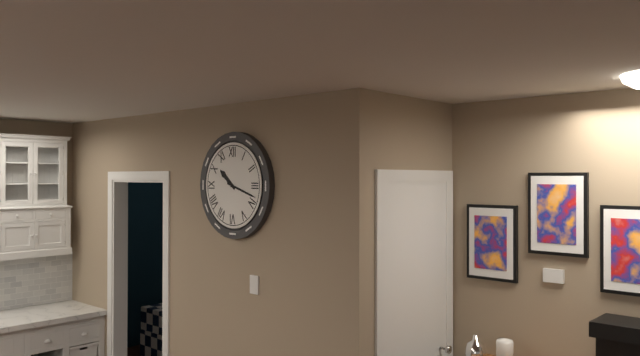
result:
10.18
